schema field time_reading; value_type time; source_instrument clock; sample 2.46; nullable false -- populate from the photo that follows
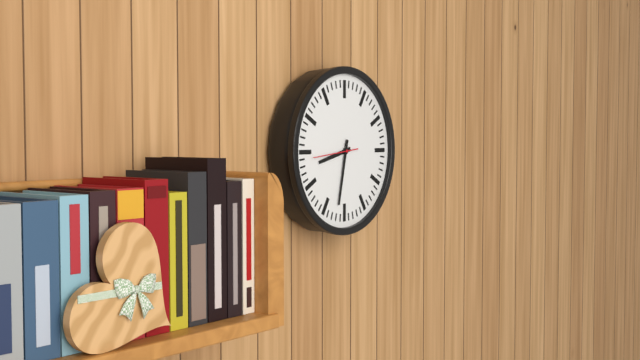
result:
8.32
